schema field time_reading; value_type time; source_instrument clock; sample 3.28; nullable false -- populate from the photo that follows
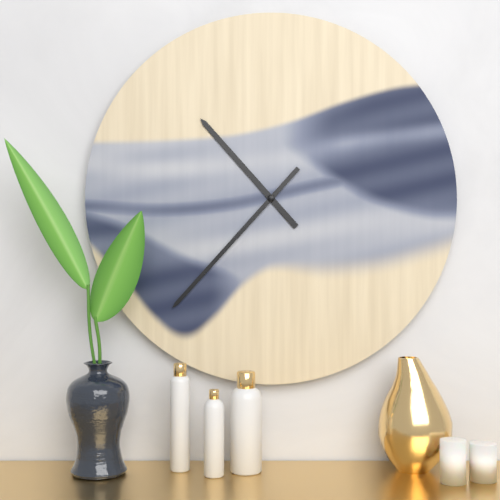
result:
10.37
